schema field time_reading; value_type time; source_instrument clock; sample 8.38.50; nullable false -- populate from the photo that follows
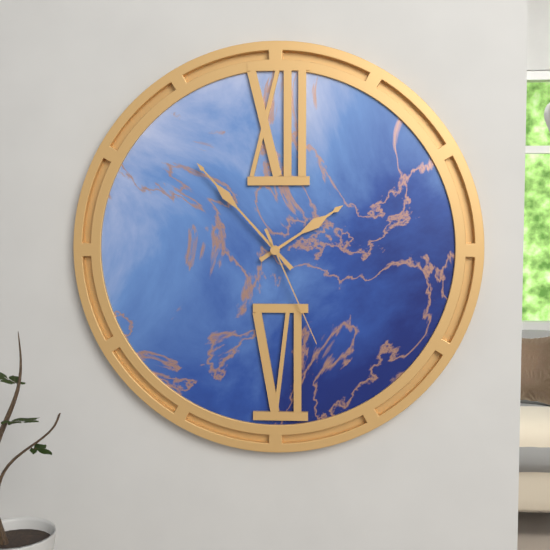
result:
1.53.26
